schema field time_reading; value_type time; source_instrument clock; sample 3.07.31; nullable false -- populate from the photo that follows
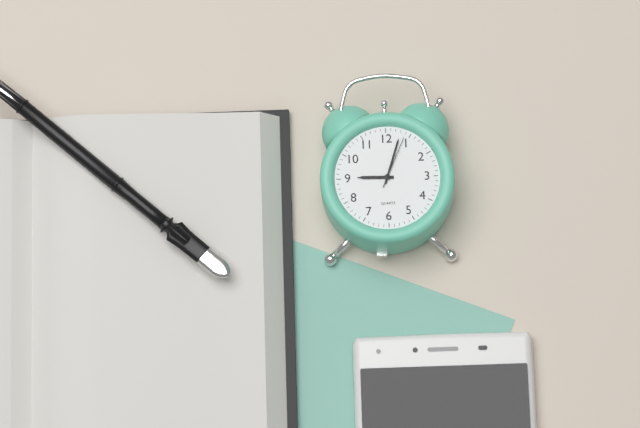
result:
9.03.04
